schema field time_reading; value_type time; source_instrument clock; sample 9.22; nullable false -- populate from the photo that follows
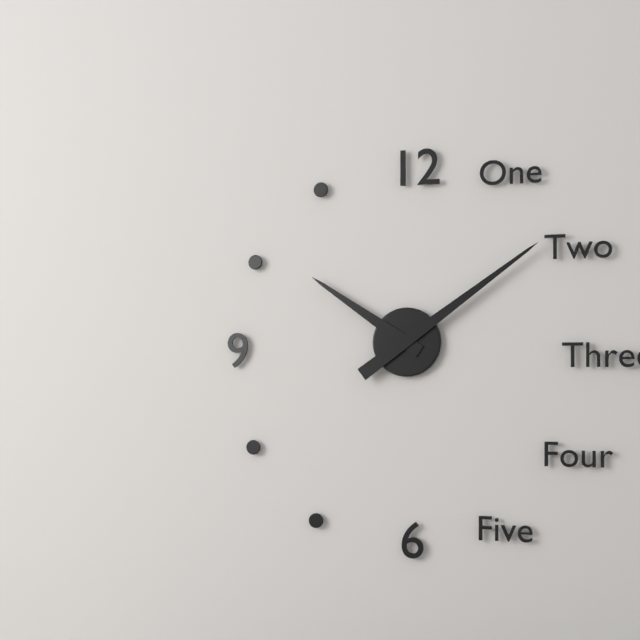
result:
10.09
